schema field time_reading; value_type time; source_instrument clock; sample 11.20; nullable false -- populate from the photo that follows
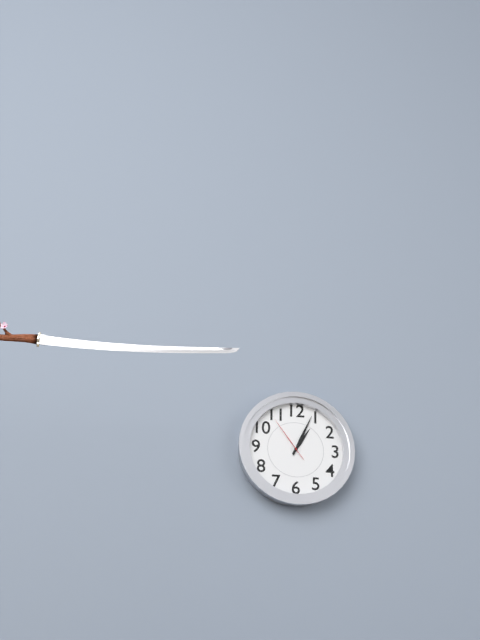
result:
1.04
